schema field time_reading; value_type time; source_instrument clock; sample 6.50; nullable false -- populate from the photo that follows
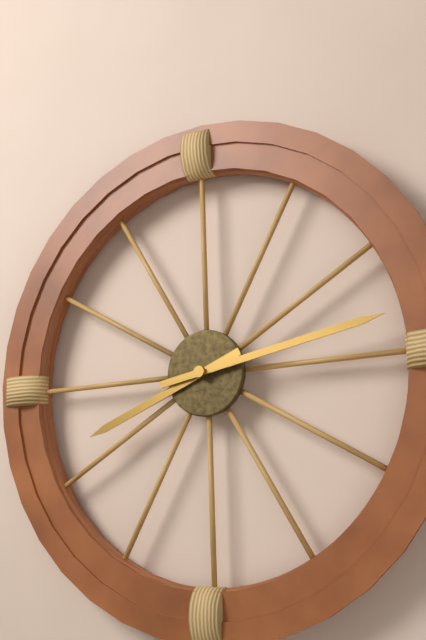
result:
8.13
